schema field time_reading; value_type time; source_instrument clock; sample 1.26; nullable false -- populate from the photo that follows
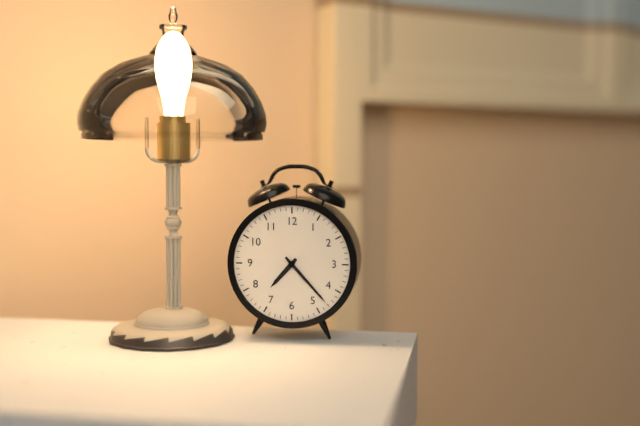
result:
7.23
